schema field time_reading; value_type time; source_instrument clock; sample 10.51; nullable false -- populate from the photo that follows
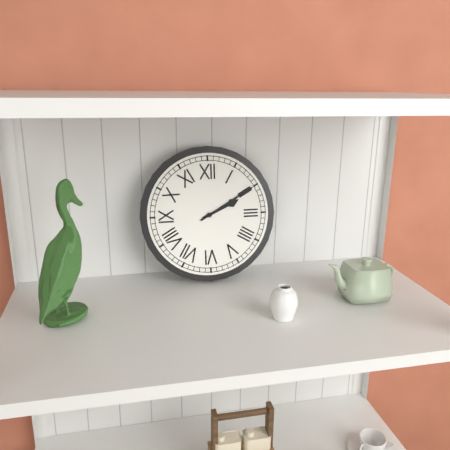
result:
2.10
